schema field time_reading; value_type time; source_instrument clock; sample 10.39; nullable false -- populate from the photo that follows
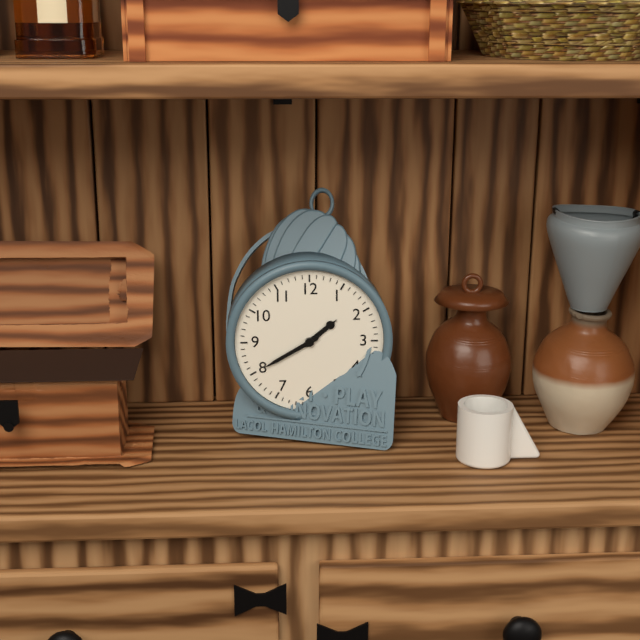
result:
1.40
